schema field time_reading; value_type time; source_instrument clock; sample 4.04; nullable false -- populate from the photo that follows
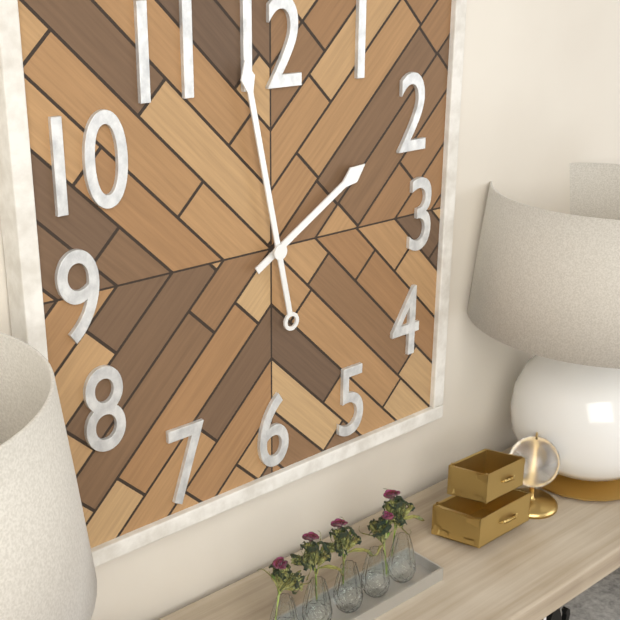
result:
1.58
